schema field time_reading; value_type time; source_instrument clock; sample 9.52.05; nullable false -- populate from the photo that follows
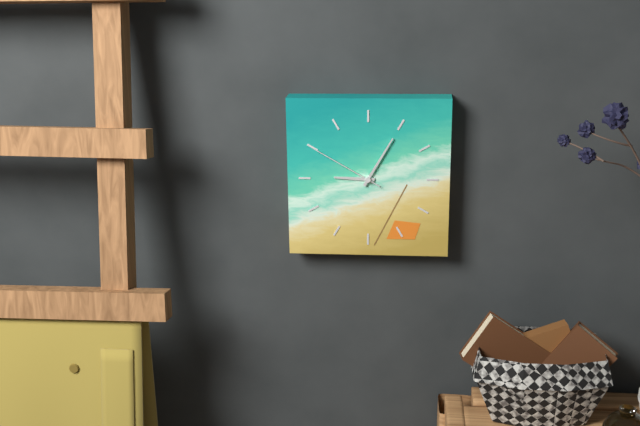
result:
9.05.50
